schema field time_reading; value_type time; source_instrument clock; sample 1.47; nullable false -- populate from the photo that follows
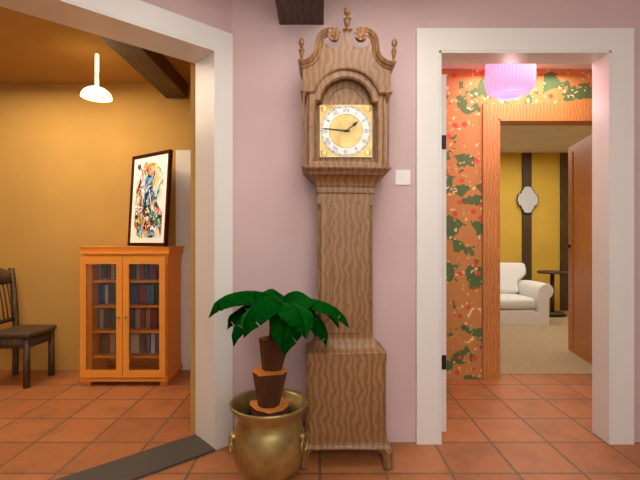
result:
1.46
